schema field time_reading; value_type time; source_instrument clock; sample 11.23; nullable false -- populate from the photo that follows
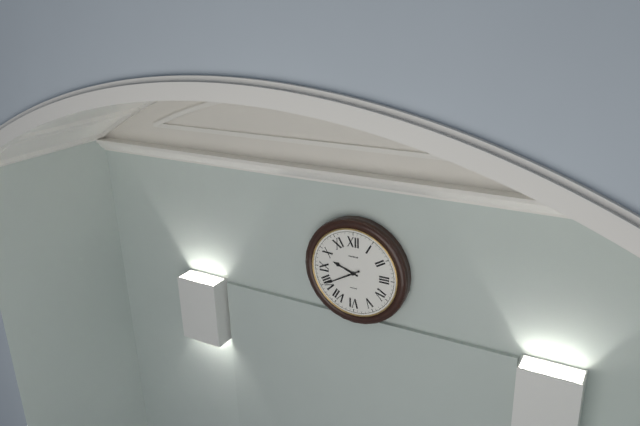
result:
9.40
